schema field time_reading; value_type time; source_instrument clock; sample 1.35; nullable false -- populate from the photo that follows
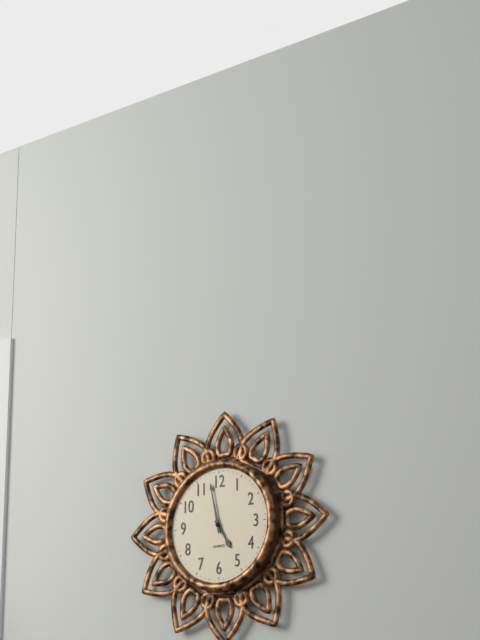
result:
4.58
